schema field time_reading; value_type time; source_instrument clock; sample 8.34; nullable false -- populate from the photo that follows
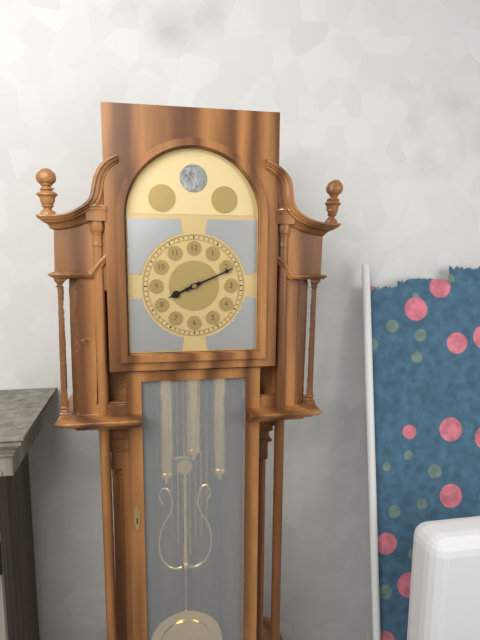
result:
8.11
